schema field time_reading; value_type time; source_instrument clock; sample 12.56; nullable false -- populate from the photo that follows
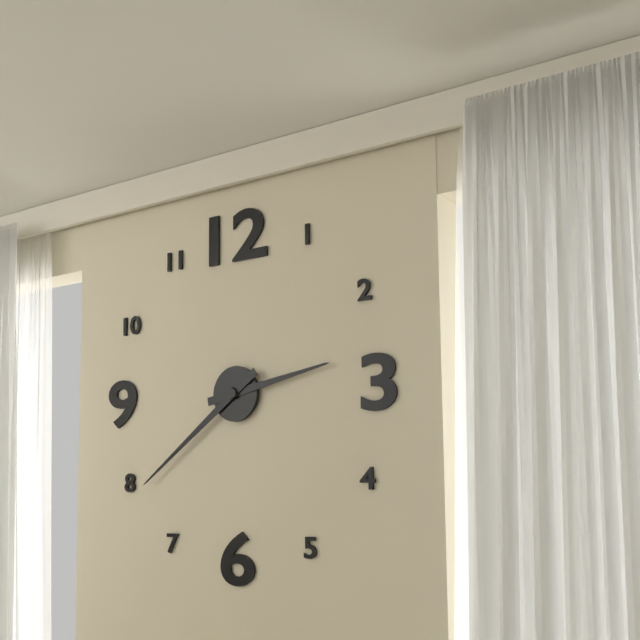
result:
2.39
